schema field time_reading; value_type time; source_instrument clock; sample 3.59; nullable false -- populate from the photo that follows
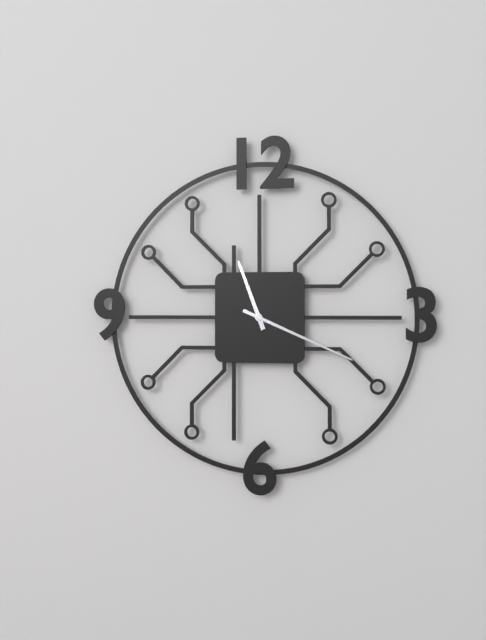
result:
11.19
